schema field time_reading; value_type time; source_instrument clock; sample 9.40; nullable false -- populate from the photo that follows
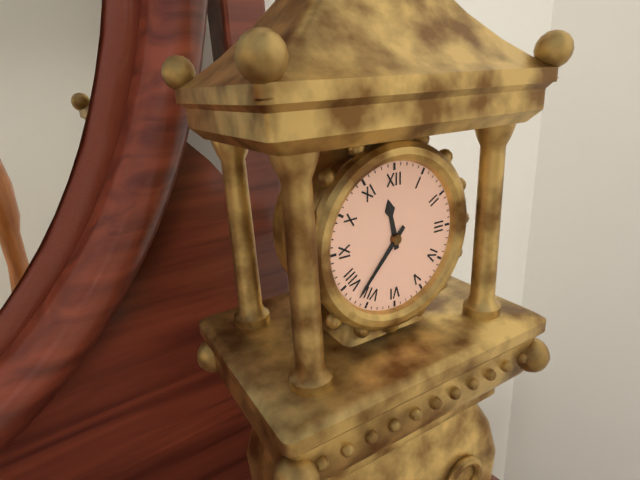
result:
11.37
